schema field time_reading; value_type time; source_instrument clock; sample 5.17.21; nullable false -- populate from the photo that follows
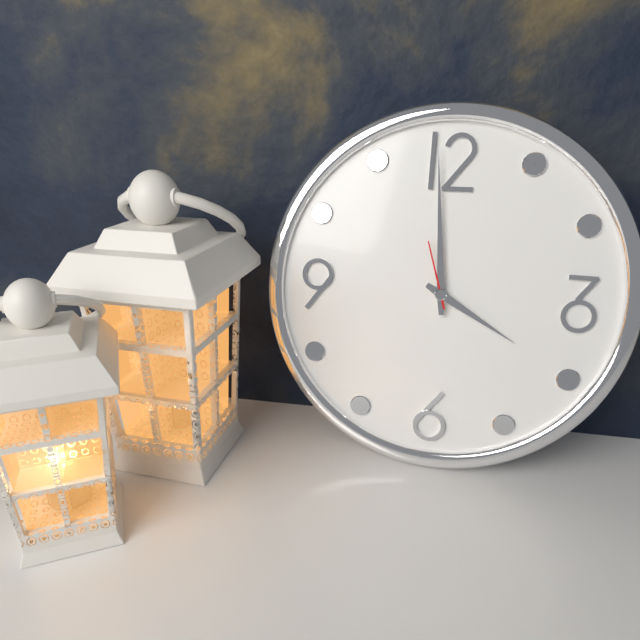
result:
3.59.57
